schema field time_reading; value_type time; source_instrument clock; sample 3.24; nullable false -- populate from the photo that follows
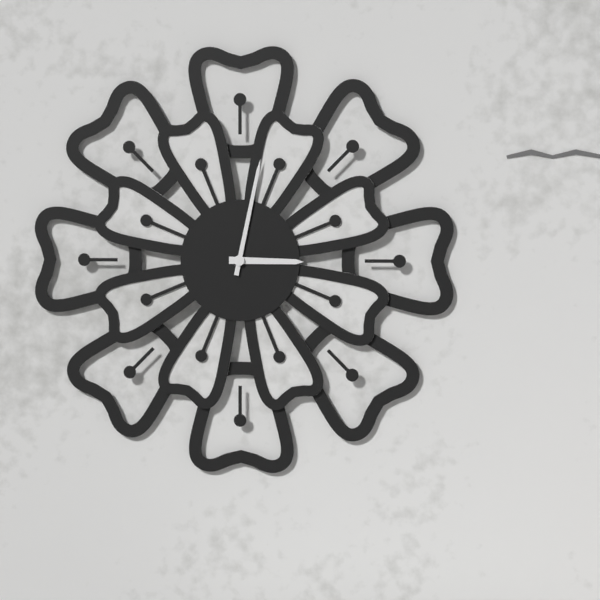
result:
3.02
